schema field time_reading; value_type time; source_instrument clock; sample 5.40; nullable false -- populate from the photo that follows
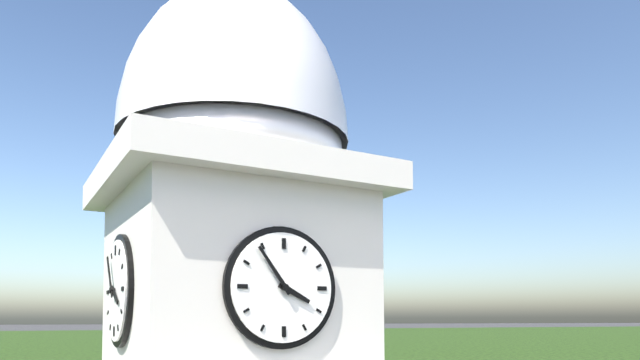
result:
3.54
